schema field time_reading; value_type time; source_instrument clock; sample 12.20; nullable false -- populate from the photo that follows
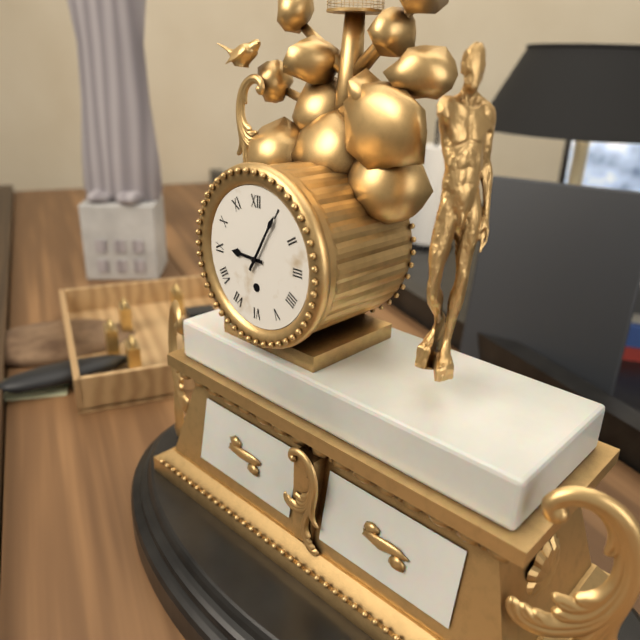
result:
9.05
